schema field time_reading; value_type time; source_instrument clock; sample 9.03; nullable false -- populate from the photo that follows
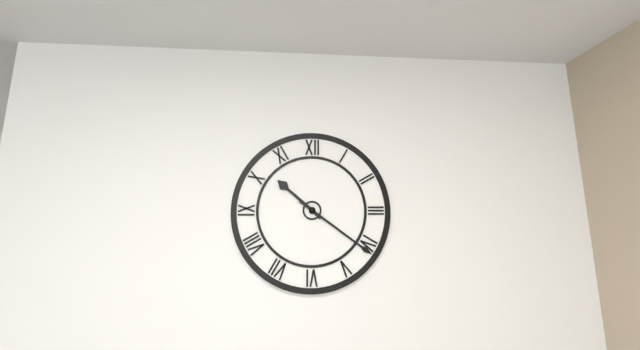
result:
10.21
